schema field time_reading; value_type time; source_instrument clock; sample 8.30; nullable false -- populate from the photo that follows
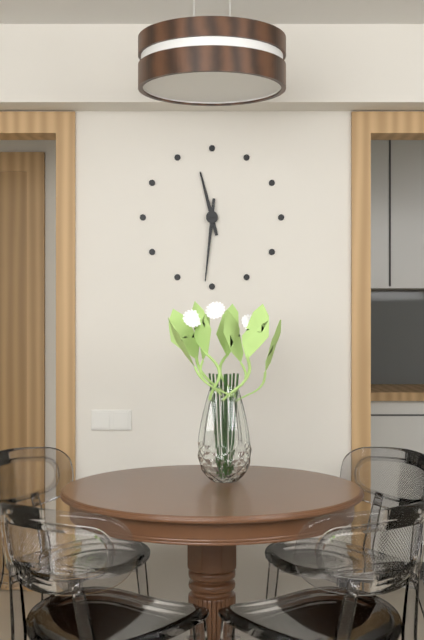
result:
11.31
